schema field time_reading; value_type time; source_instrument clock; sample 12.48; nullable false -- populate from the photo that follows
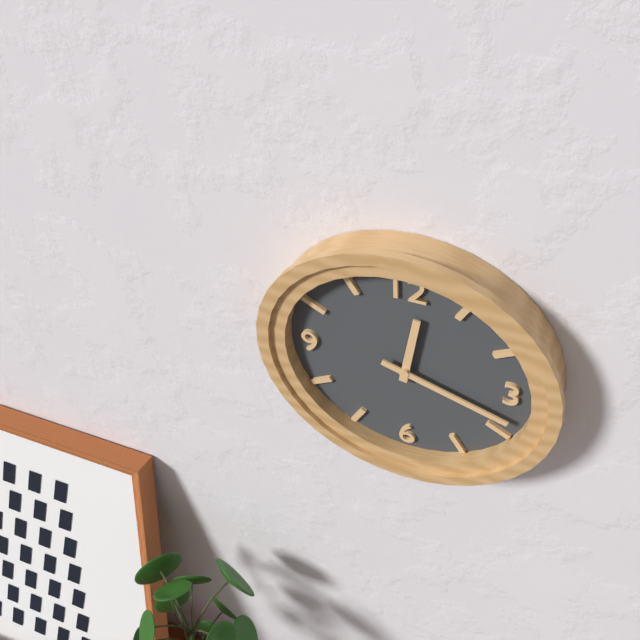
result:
12.18
